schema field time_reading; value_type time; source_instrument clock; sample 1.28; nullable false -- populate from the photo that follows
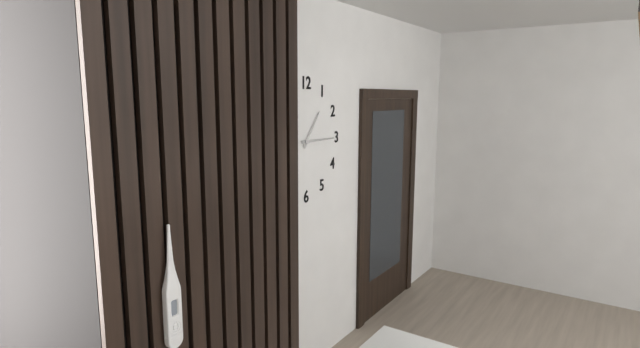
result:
1.15
